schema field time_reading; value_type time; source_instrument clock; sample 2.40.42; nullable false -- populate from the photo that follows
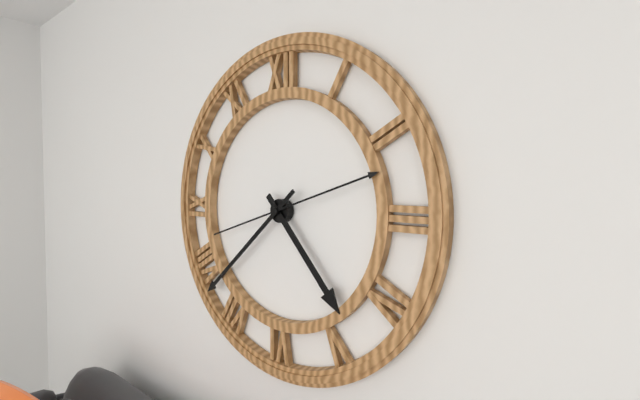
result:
4.38.12
